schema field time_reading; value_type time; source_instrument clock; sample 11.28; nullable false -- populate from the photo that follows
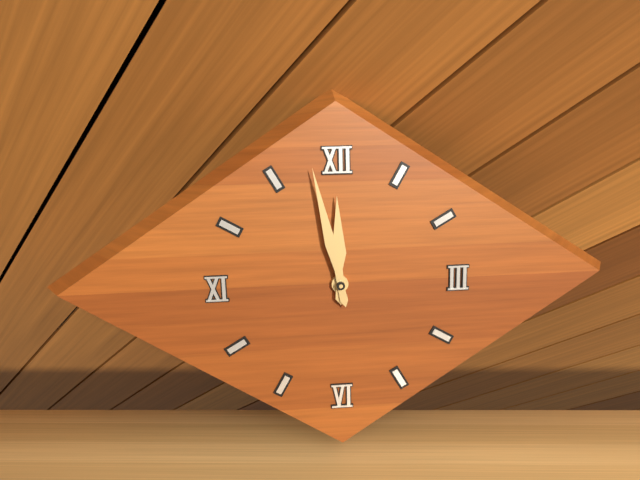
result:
11.58
